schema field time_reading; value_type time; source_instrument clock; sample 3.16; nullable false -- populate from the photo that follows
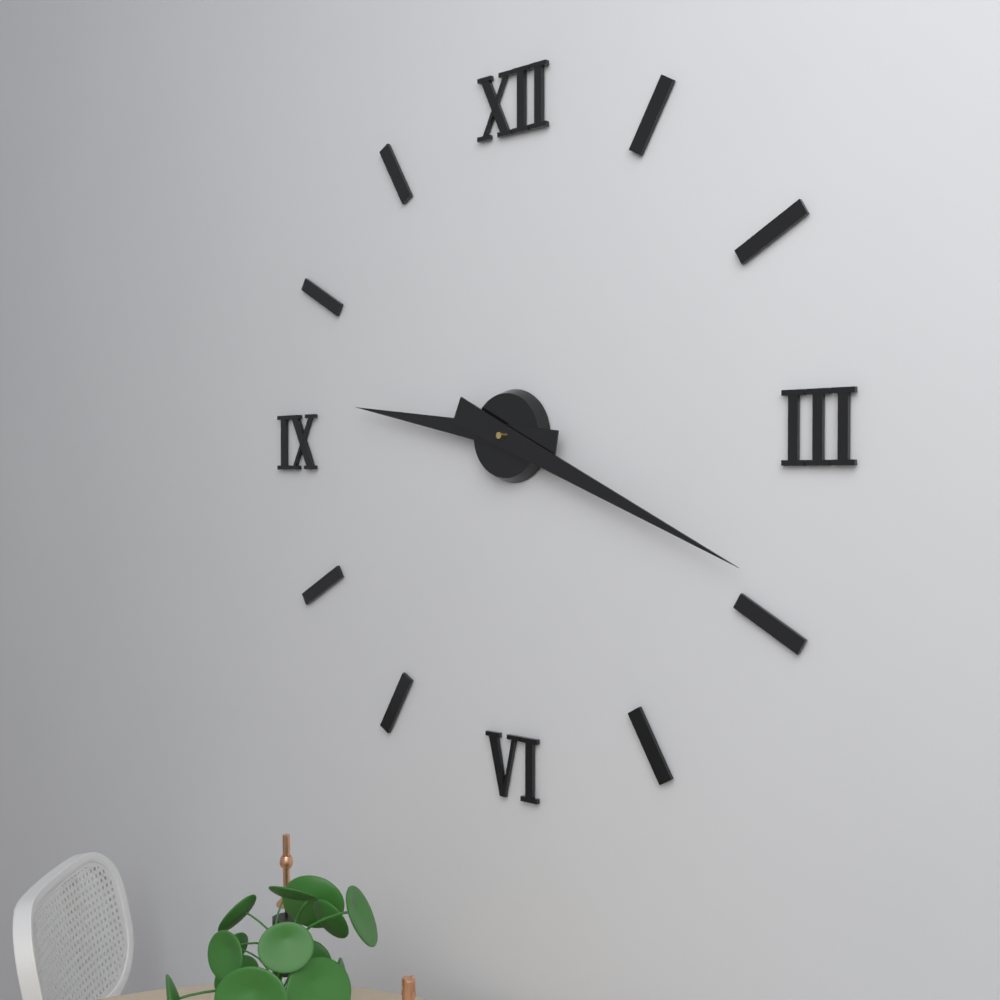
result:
9.19
